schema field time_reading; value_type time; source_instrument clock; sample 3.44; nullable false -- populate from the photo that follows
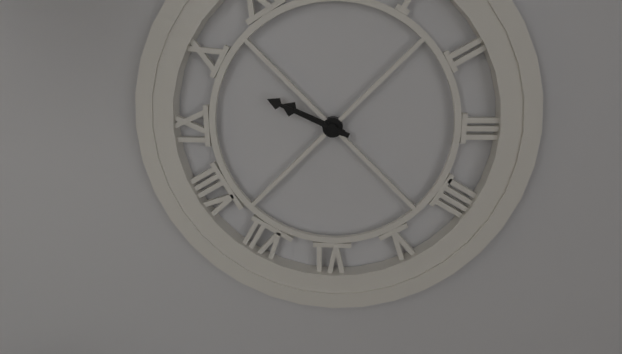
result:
9.49
